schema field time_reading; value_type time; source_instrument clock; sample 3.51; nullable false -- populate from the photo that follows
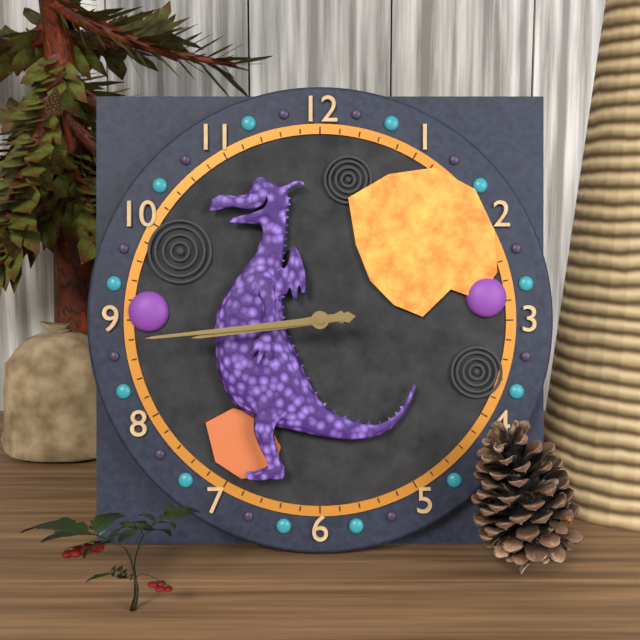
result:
8.44
